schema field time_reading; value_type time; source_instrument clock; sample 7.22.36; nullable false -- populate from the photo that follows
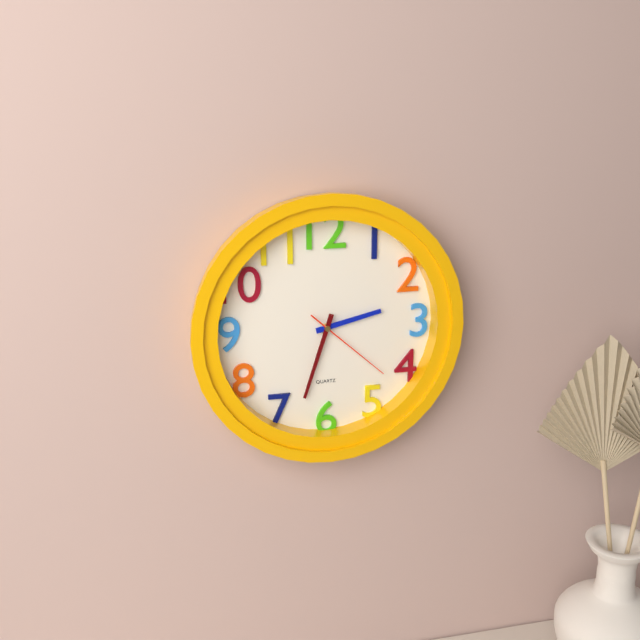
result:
2.33.22
